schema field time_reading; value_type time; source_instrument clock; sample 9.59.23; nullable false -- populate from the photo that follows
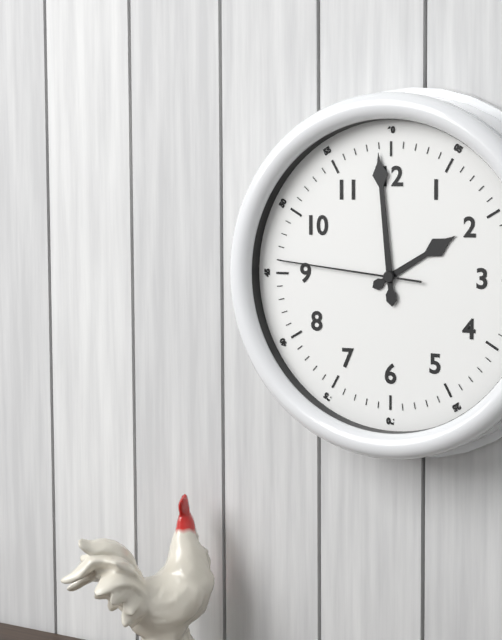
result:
1.59.46
